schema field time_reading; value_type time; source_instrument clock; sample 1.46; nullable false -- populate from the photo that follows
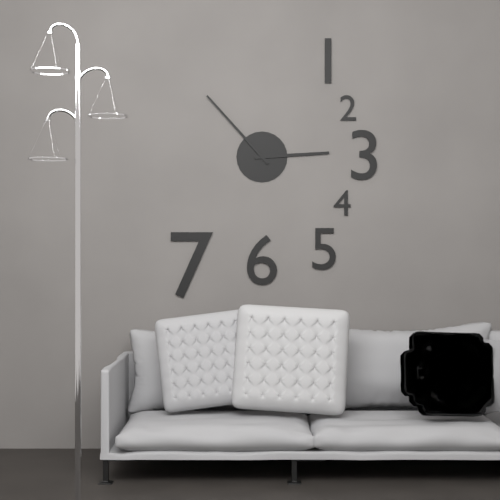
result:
2.53
